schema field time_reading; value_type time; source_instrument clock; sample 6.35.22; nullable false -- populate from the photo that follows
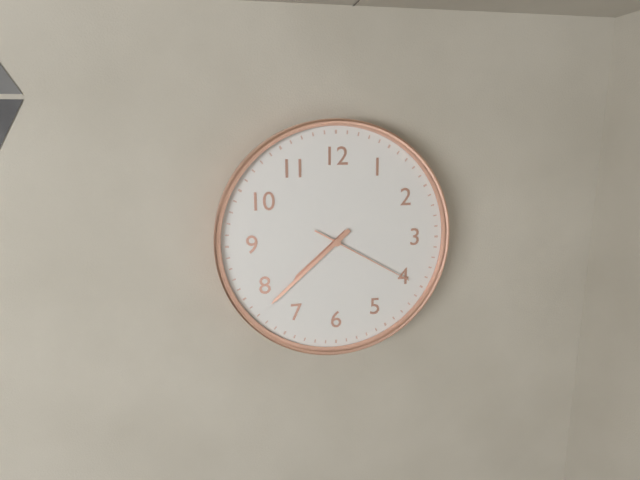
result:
7.38.20
